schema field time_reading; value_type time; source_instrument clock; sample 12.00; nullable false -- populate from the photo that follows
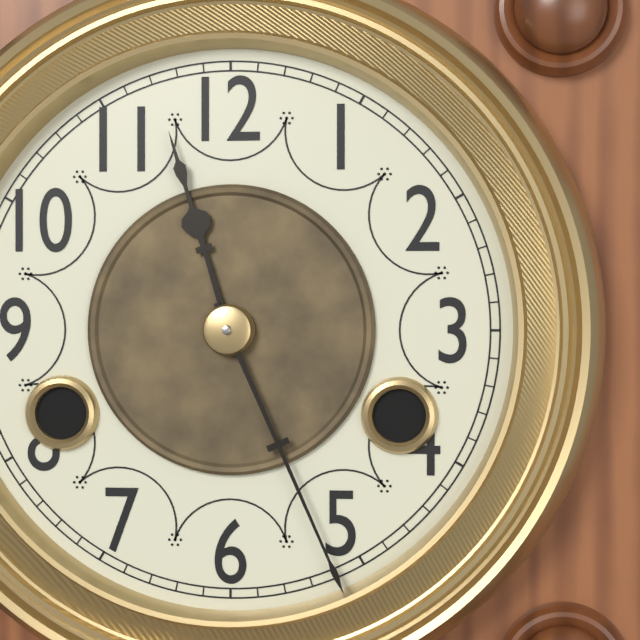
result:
11.26
